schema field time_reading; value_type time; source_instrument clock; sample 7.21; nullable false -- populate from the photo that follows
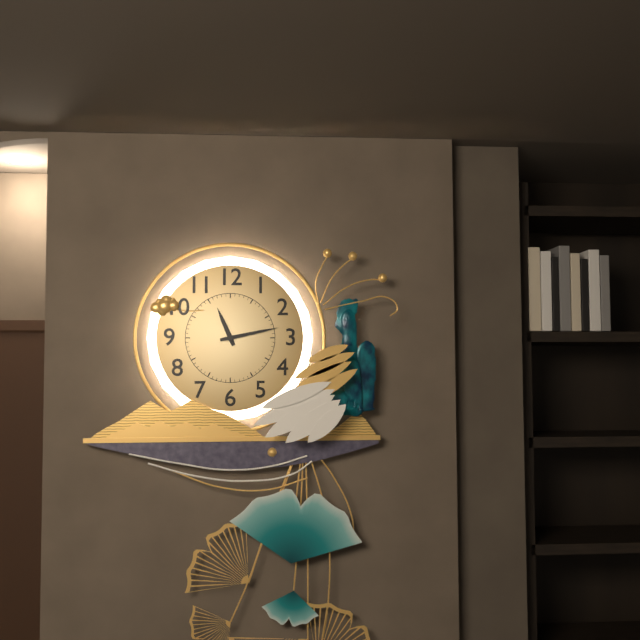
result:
11.13
